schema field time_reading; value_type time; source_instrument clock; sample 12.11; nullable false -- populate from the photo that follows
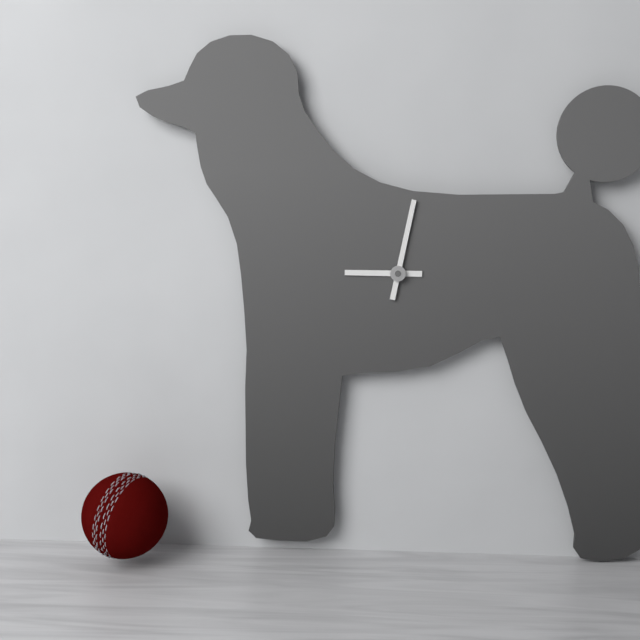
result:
9.02
